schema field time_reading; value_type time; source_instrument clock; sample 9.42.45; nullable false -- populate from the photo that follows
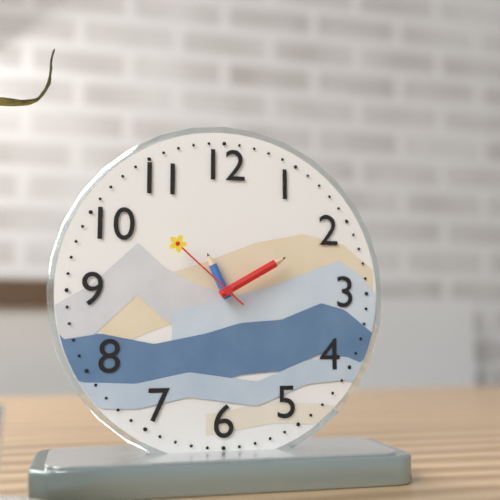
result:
11.10.52
